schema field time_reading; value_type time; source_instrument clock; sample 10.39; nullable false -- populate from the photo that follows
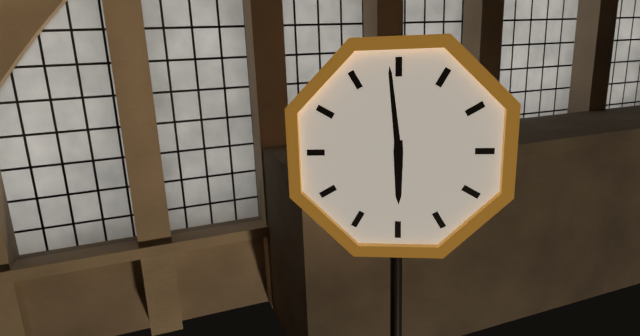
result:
5.59
